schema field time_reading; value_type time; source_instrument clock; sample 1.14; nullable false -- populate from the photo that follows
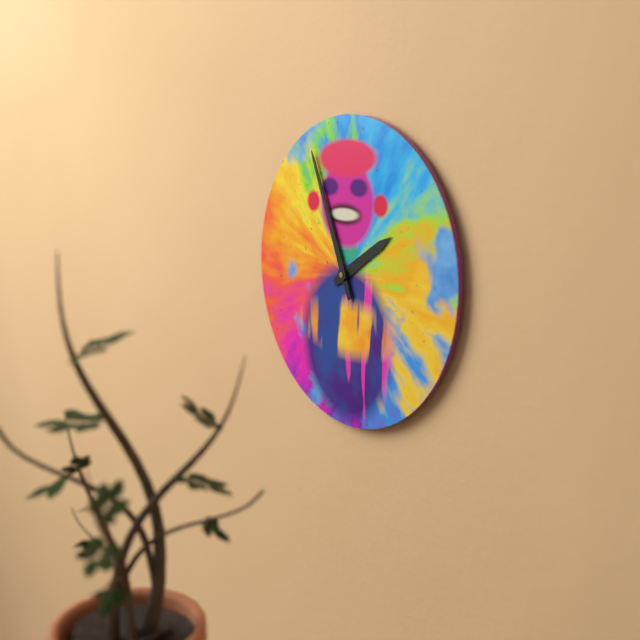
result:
1.56
